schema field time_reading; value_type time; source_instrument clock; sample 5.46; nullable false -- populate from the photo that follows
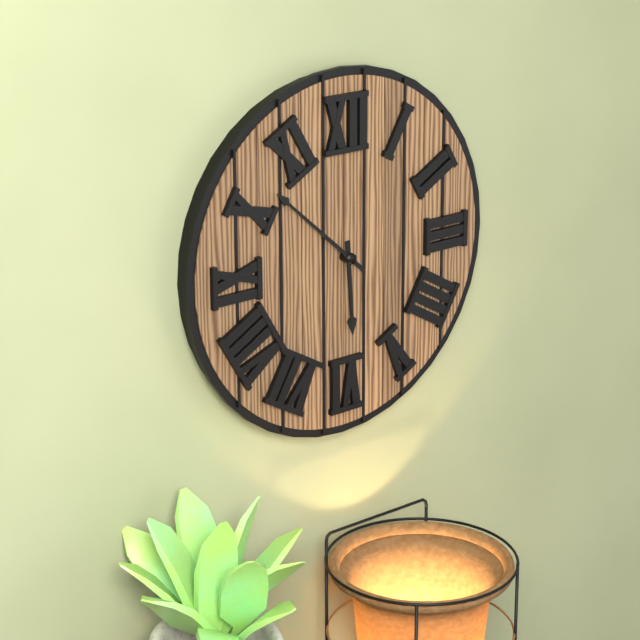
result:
5.52
